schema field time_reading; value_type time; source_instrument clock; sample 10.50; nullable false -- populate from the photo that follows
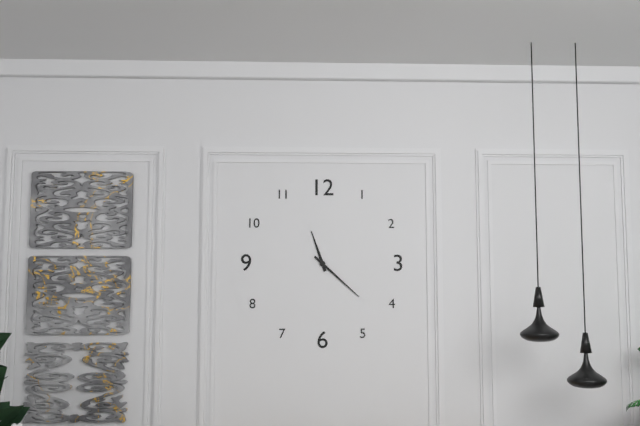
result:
11.22
